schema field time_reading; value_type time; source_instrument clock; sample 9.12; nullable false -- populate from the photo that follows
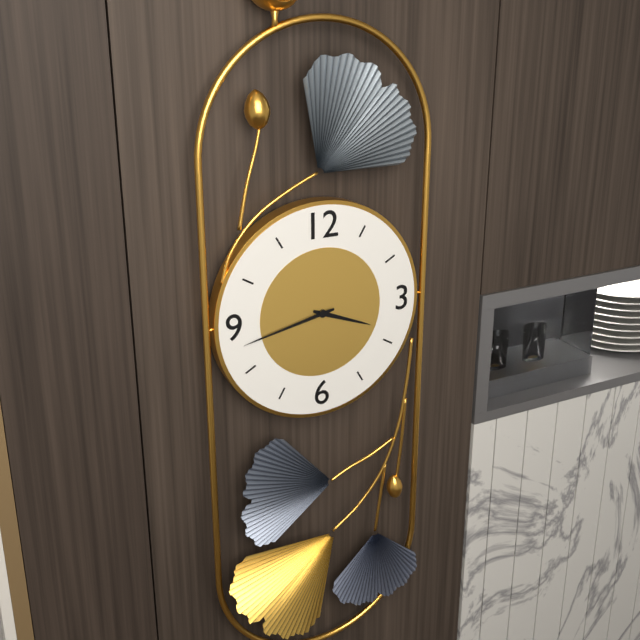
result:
3.43
